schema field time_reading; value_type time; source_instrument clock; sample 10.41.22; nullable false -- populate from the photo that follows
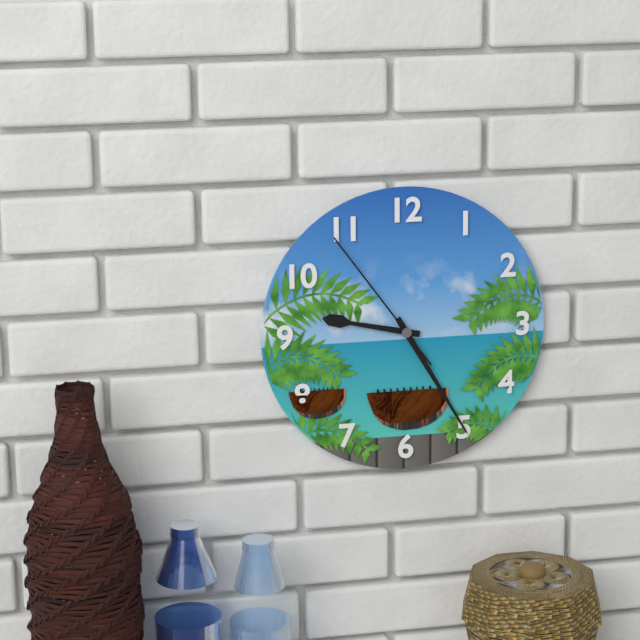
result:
9.25.54
